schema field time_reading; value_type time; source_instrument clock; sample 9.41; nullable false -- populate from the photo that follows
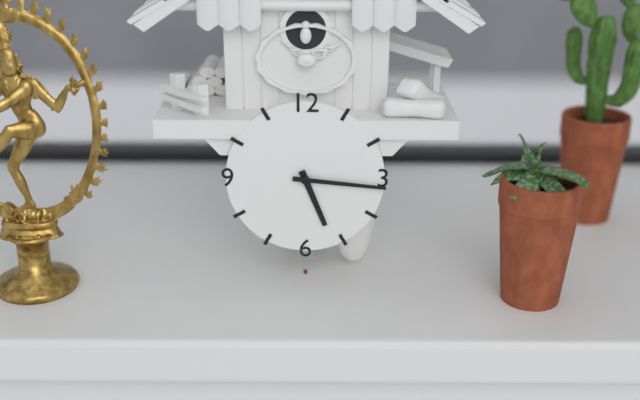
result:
5.16
